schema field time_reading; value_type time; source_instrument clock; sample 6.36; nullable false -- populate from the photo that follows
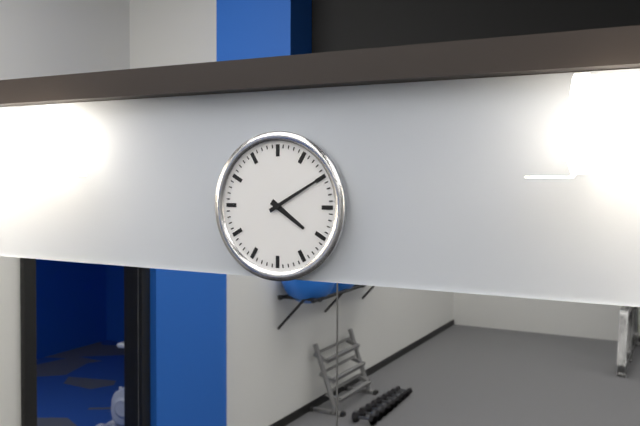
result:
4.10
